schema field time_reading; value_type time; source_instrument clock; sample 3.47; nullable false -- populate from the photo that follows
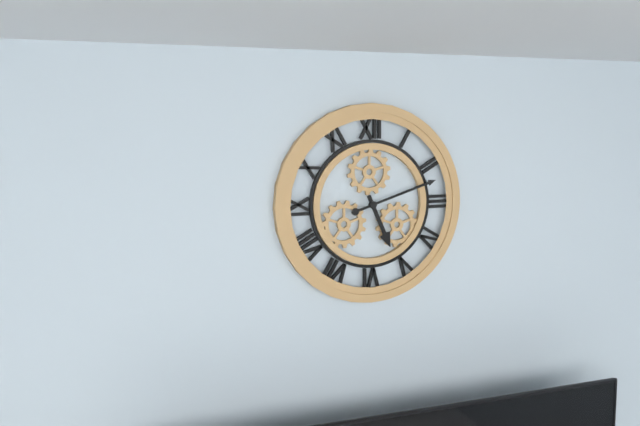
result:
5.12
